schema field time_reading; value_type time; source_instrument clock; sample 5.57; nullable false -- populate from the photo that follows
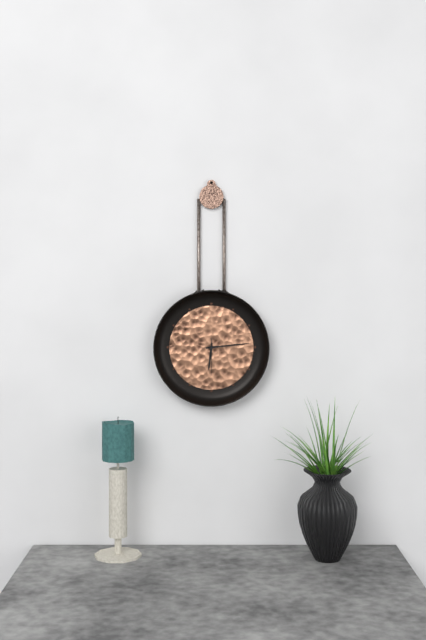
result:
6.14
